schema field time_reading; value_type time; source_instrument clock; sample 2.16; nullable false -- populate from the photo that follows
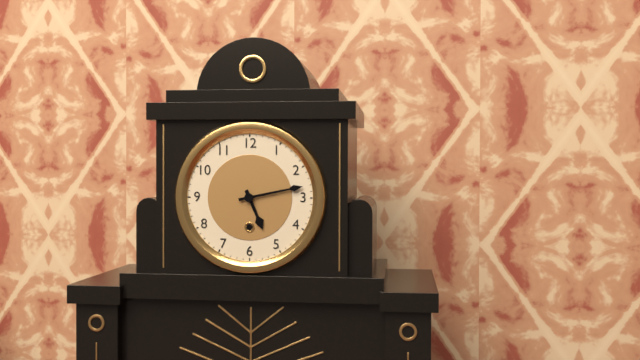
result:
5.13
